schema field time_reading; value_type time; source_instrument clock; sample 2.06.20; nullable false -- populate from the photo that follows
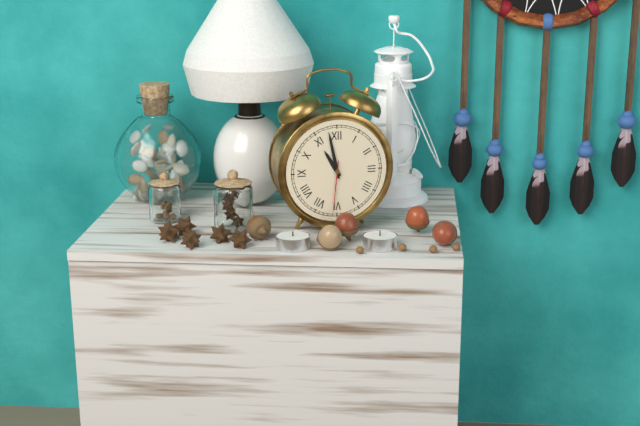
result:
10.58.31
